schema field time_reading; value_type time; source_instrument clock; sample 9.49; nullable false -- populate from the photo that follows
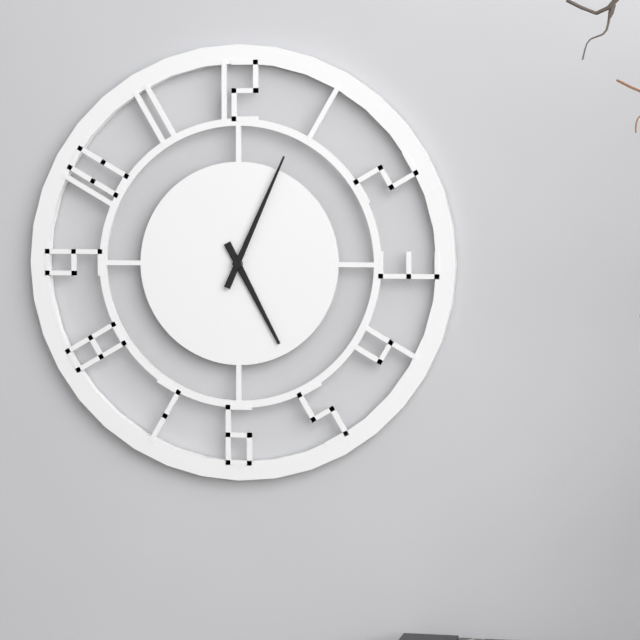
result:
5.04
